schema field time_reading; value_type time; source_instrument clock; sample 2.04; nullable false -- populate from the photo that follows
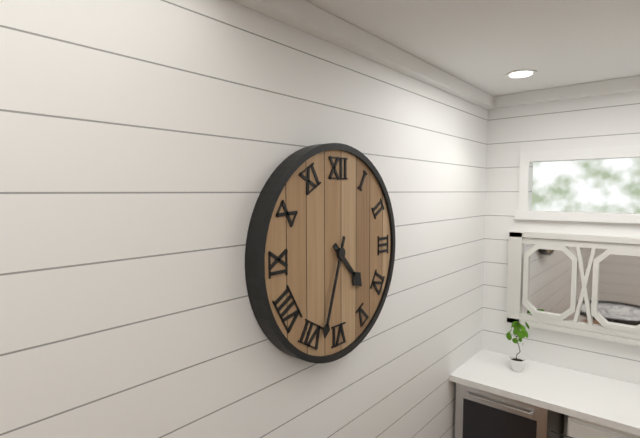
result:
4.33
